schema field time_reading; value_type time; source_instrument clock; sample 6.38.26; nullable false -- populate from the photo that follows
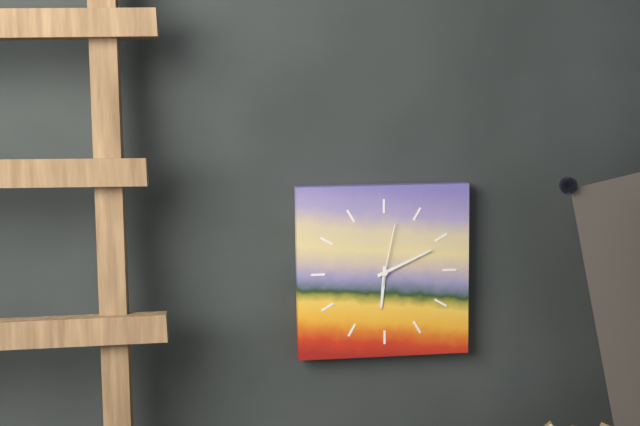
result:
6.11.02
